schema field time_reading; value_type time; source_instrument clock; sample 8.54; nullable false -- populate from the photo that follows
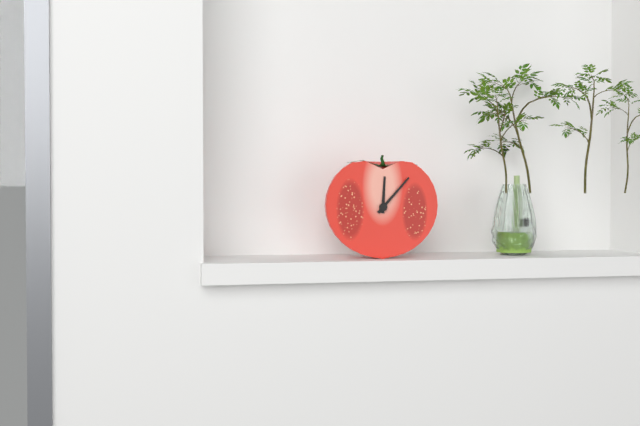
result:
12.07
